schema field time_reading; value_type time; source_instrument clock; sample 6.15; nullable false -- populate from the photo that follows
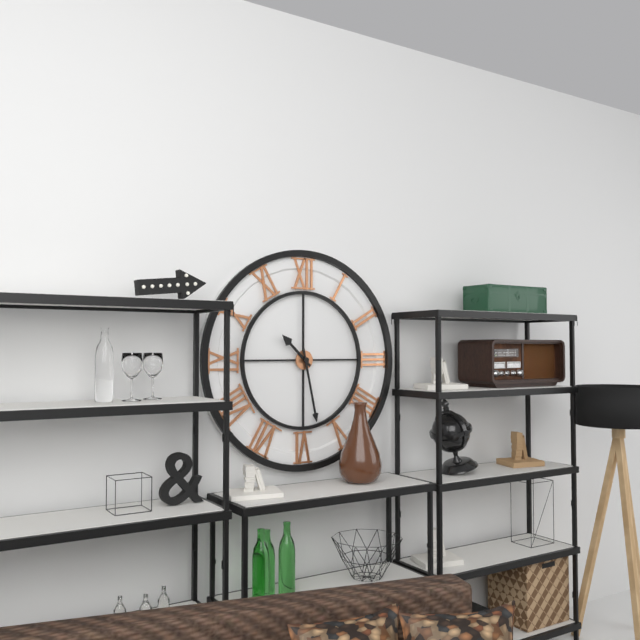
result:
10.28
